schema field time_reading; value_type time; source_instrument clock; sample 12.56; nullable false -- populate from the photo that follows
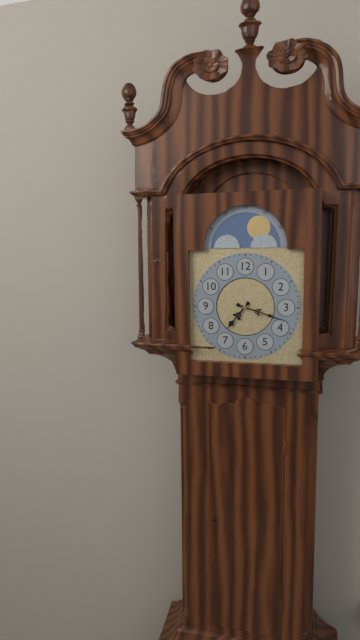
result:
7.18
